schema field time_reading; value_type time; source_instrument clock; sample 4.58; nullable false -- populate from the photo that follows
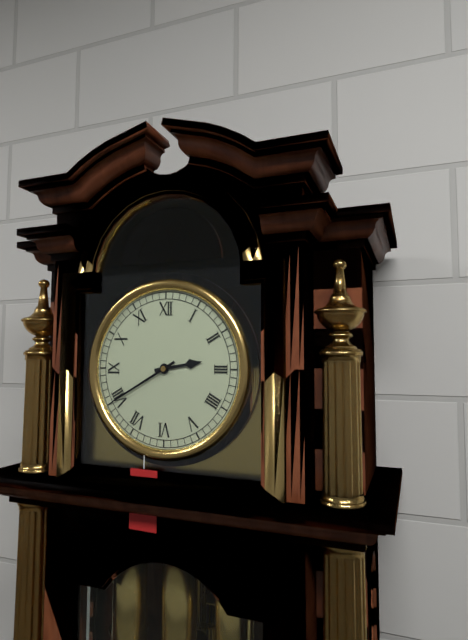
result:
2.40
